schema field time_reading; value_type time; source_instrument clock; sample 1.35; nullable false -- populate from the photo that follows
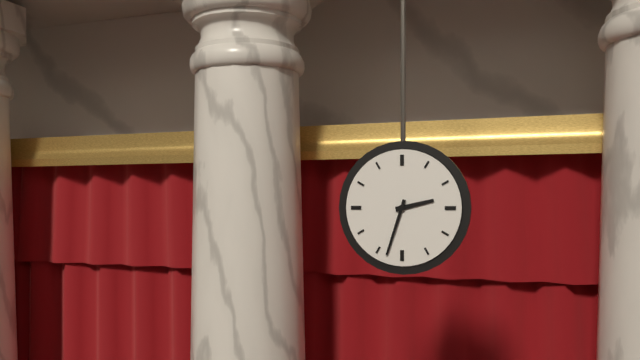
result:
2.33
